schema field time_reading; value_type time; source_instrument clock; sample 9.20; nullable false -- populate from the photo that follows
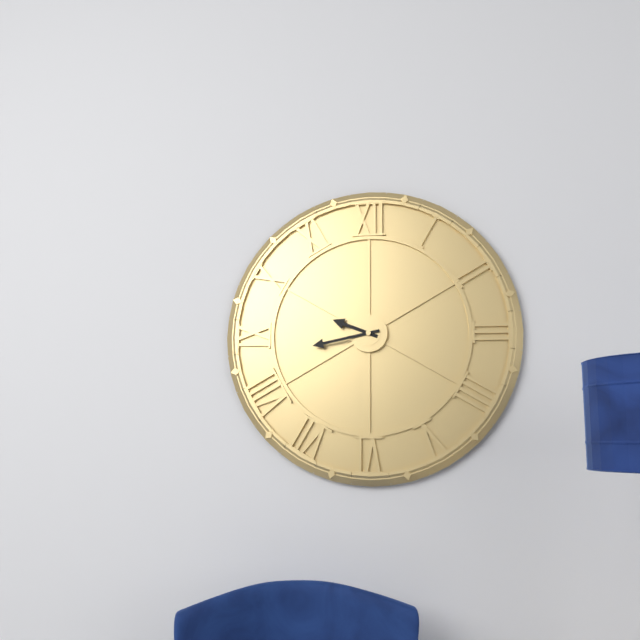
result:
9.43
